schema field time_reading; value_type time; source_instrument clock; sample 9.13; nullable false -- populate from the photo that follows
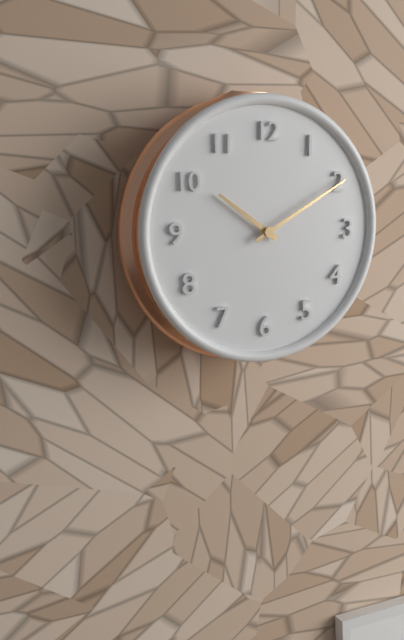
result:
10.10
